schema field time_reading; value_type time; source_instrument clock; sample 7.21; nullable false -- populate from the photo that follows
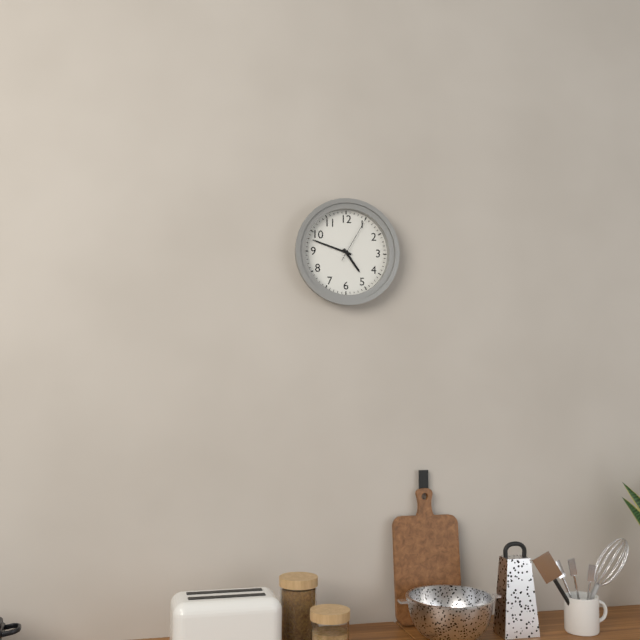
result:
4.48
